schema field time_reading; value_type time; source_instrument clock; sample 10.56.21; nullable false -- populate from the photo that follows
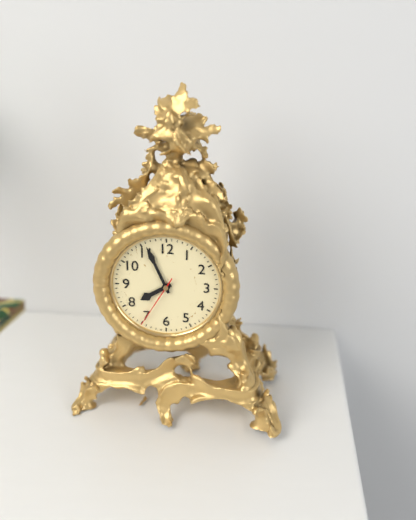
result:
7.56.35
